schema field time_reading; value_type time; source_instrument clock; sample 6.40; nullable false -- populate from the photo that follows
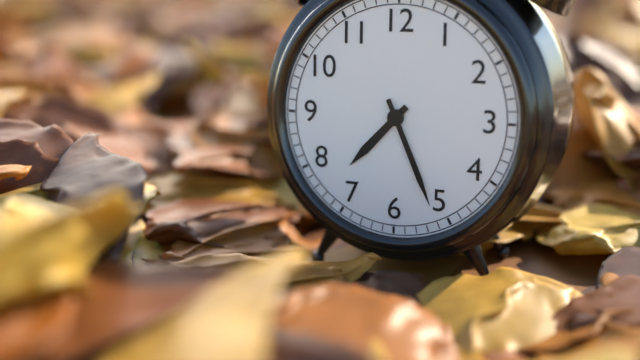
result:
7.26
